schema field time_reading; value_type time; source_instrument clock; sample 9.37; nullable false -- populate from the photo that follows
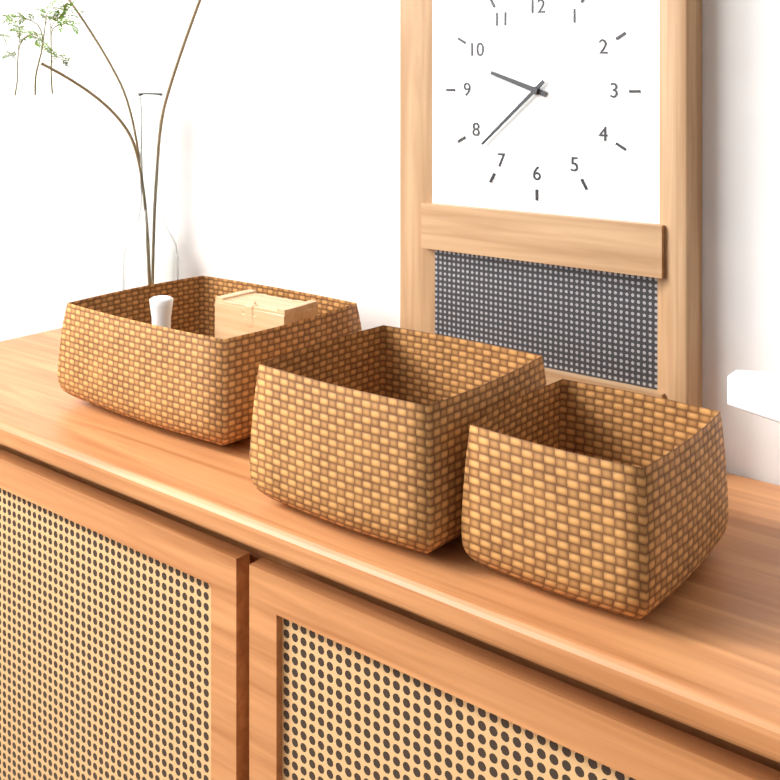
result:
9.38
